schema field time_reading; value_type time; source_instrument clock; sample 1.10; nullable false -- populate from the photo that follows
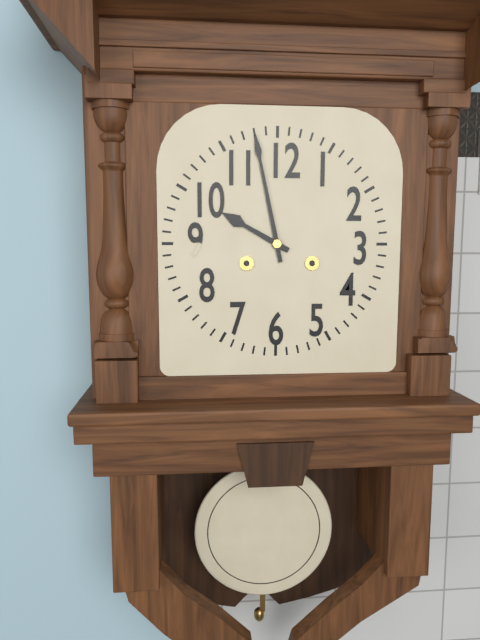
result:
9.58
